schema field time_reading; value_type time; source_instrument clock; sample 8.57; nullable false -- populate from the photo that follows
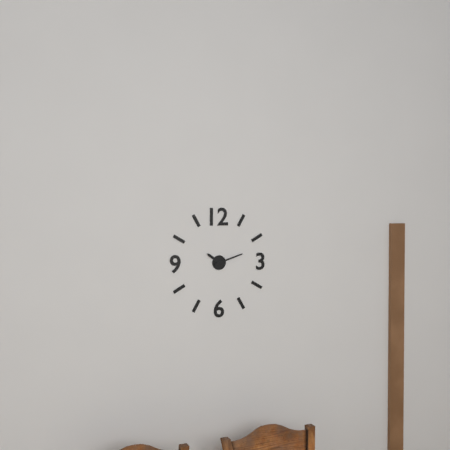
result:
10.12
